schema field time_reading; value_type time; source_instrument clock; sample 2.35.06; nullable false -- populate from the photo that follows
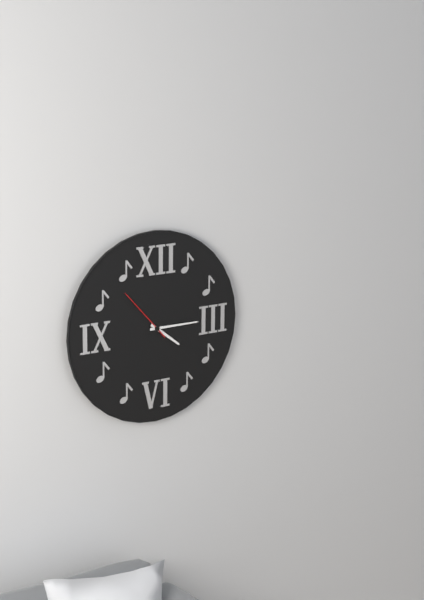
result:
4.15.53
